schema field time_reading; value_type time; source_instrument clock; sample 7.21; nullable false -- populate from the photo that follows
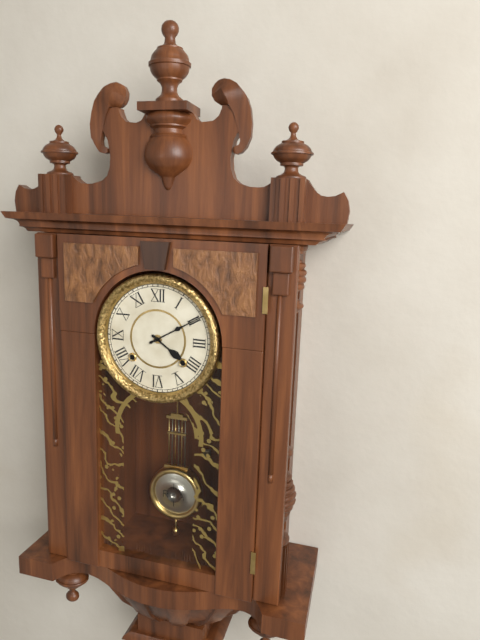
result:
4.10
